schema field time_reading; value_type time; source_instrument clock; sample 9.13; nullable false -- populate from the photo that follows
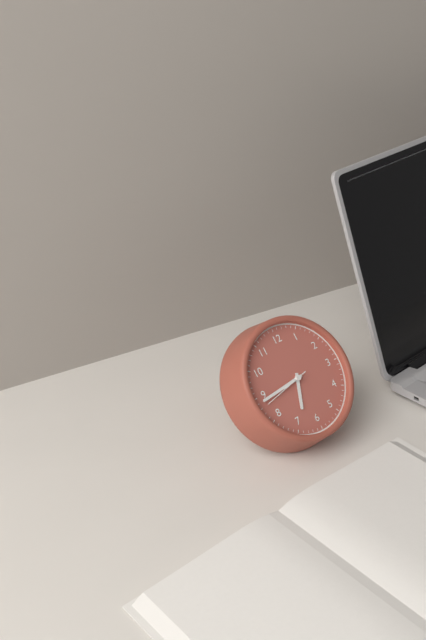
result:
6.44
